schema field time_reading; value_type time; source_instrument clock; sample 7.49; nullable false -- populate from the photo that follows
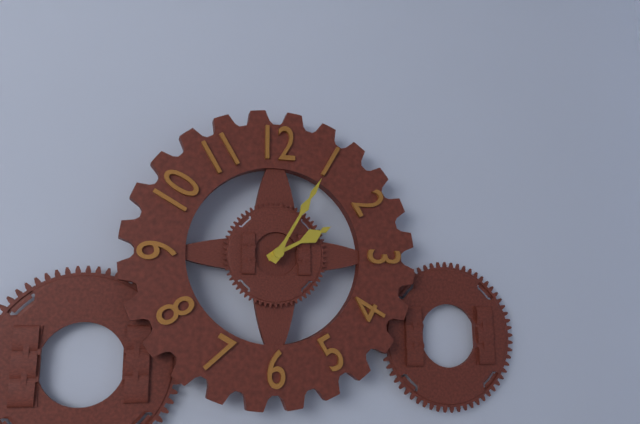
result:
2.05
